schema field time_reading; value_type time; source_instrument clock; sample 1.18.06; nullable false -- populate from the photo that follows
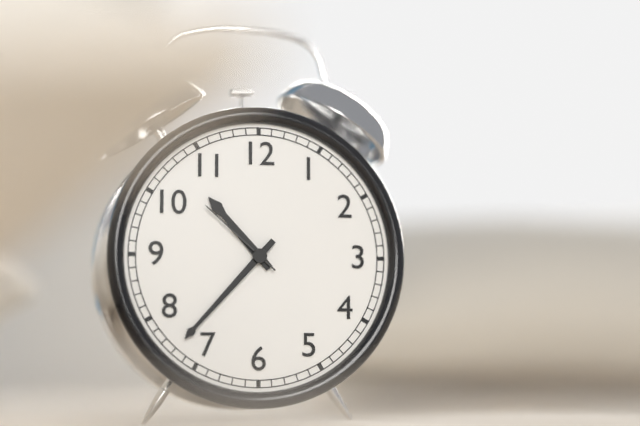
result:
10.37.52
